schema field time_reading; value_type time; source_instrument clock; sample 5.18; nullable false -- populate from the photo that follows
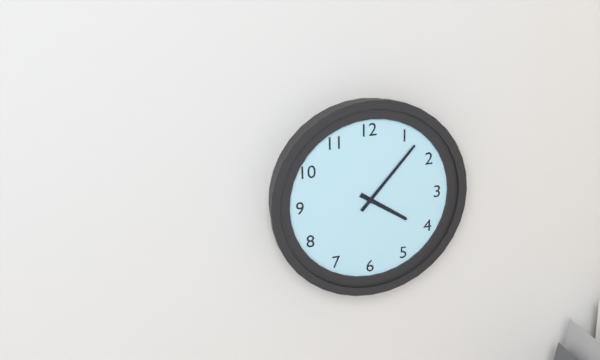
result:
4.07
